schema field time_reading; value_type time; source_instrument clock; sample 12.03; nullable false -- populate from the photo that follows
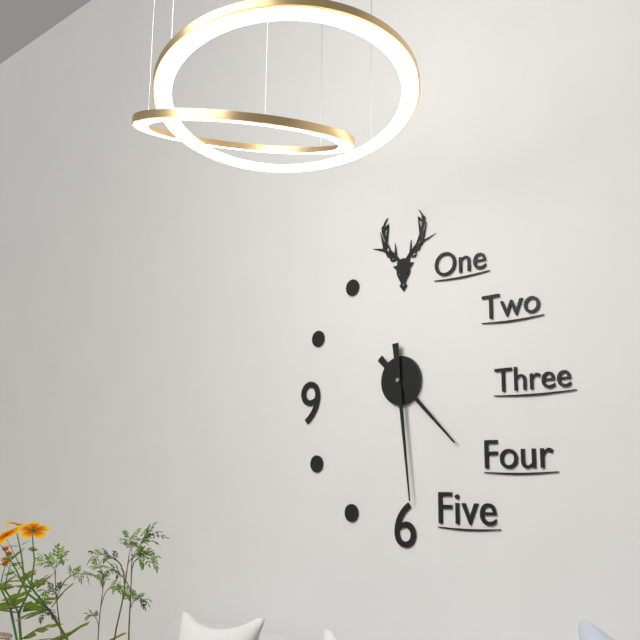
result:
4.29
